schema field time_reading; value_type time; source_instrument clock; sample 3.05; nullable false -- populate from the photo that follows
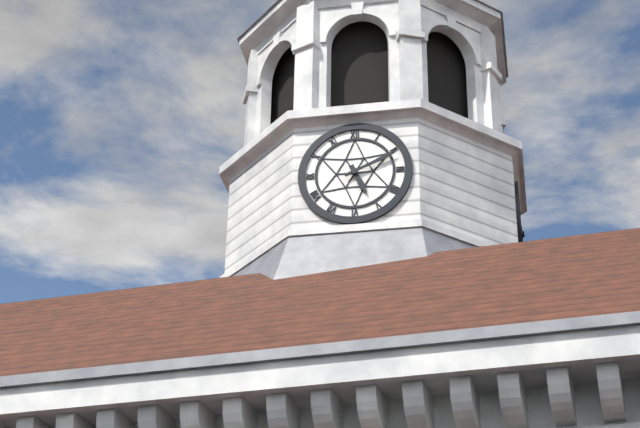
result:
5.11
